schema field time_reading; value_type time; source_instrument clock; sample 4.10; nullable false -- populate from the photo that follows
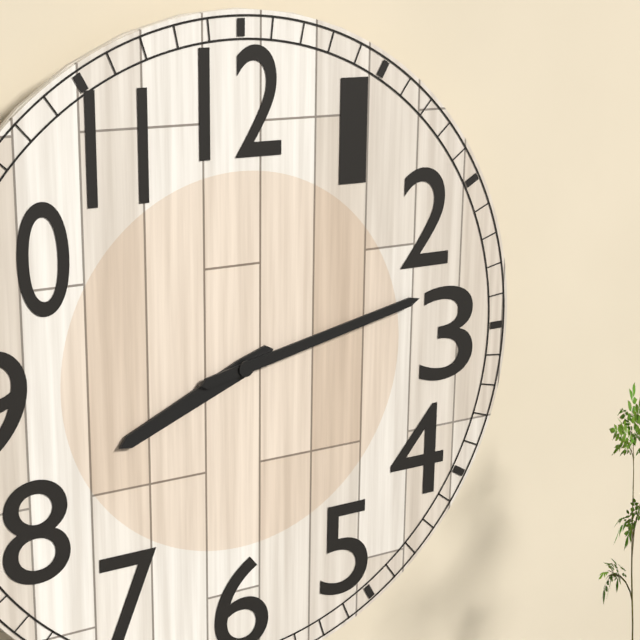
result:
8.13
